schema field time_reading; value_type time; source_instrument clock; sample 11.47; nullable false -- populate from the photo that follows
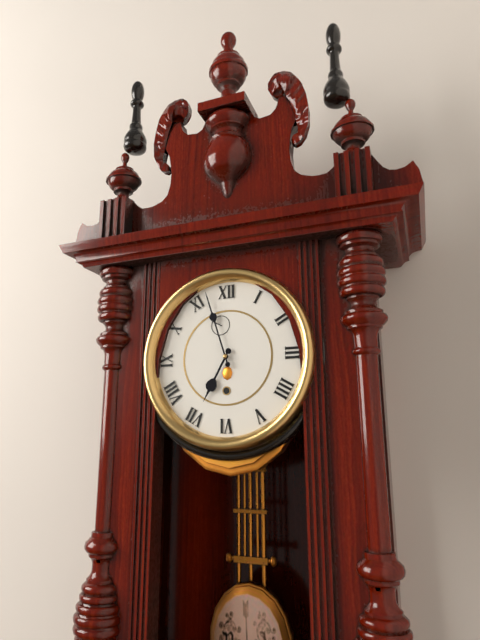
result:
6.57
